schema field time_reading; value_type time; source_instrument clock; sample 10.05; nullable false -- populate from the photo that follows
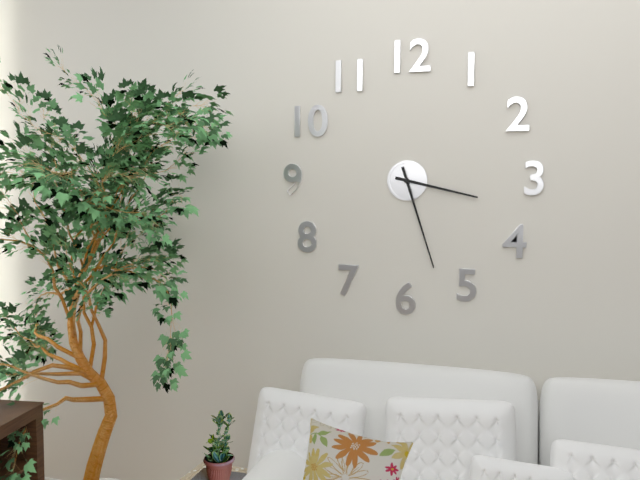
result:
3.27
